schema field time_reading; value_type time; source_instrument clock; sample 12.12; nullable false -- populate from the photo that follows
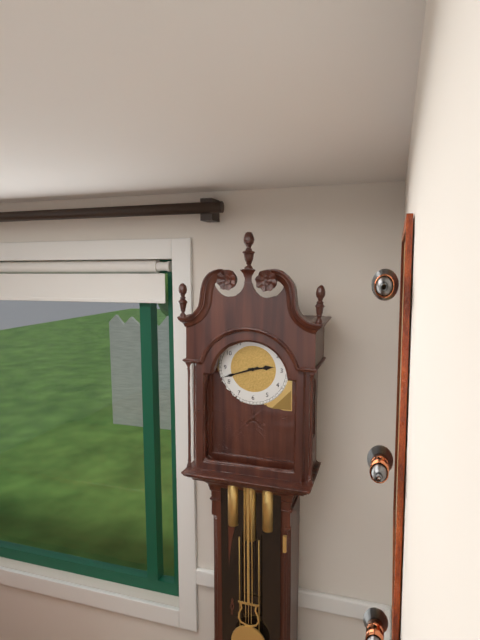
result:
2.42
